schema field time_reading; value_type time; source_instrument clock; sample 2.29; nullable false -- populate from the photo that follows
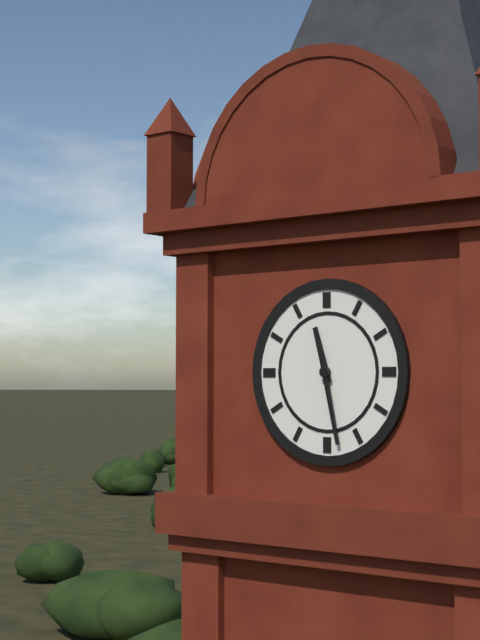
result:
11.28
